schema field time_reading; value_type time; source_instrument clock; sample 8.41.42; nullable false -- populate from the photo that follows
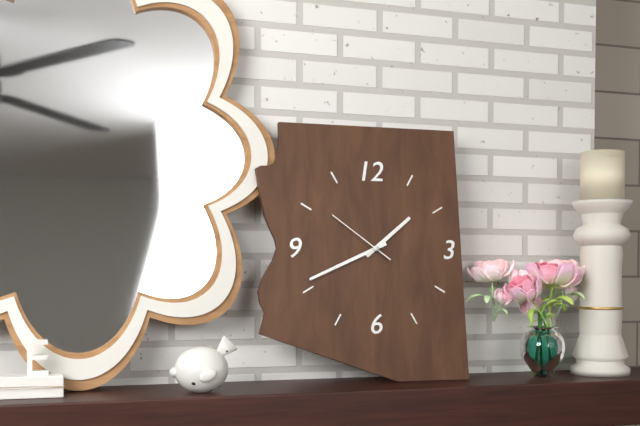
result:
1.41.51
